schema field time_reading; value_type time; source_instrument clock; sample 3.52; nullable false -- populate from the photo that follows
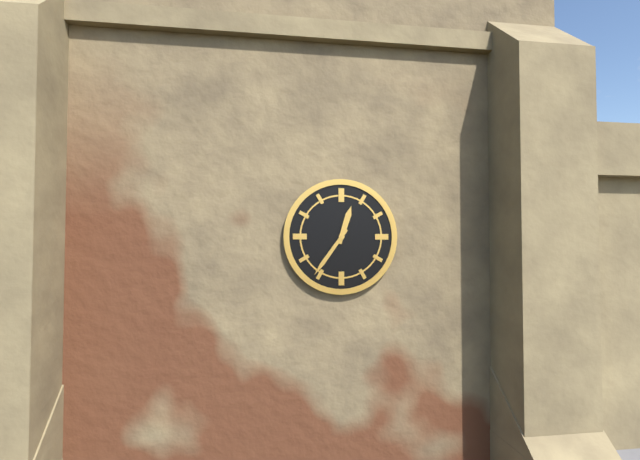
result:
12.36
